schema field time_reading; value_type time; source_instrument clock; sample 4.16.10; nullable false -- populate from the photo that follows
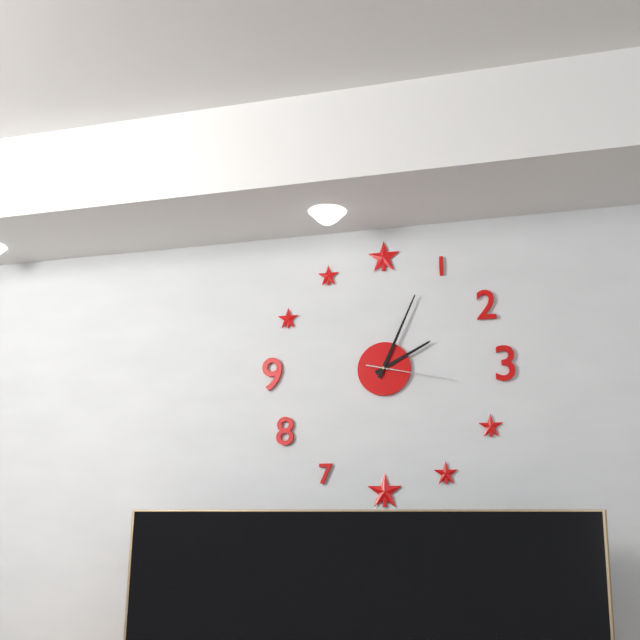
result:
2.04.17
